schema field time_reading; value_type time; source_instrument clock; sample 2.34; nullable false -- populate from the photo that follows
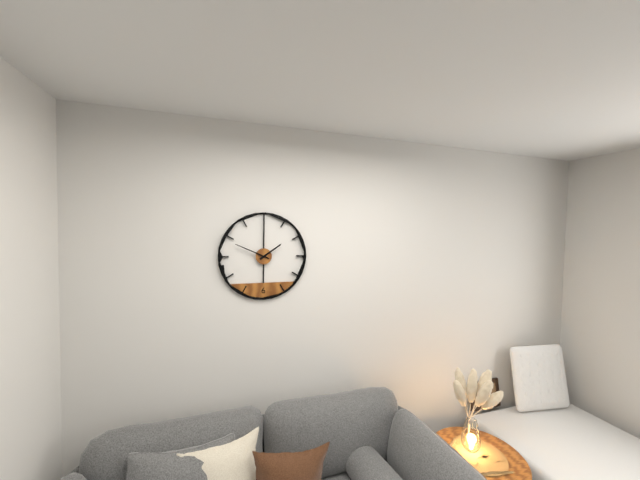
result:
1.49
